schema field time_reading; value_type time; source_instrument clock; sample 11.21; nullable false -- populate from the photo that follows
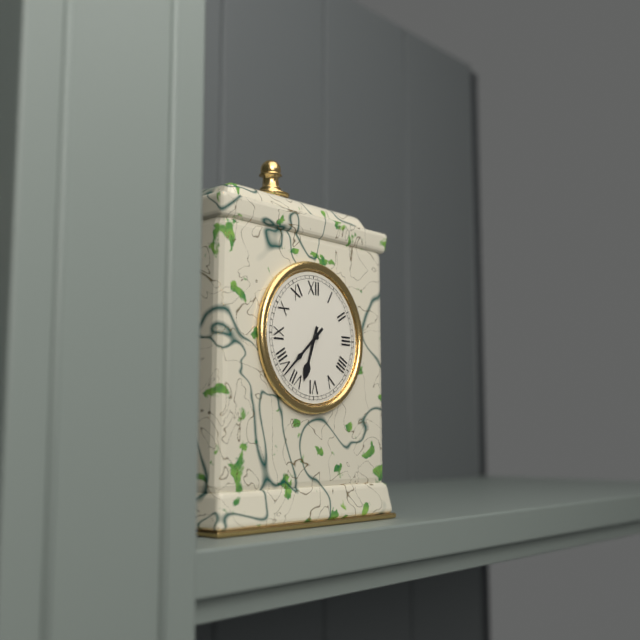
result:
6.38
